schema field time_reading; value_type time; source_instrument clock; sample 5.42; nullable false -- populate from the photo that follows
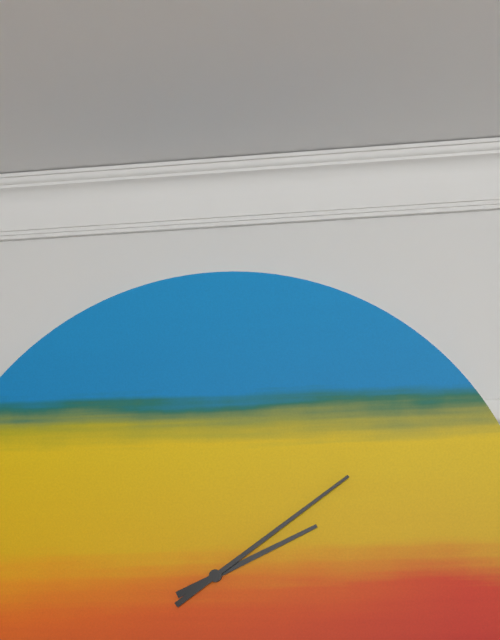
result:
2.09
